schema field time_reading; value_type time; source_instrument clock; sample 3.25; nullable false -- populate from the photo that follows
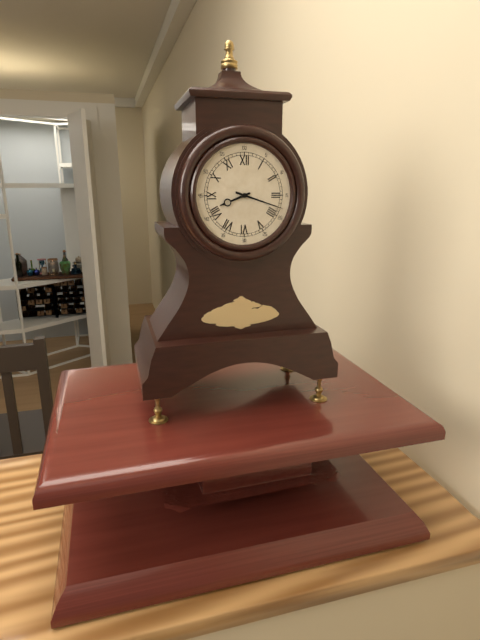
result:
8.18
